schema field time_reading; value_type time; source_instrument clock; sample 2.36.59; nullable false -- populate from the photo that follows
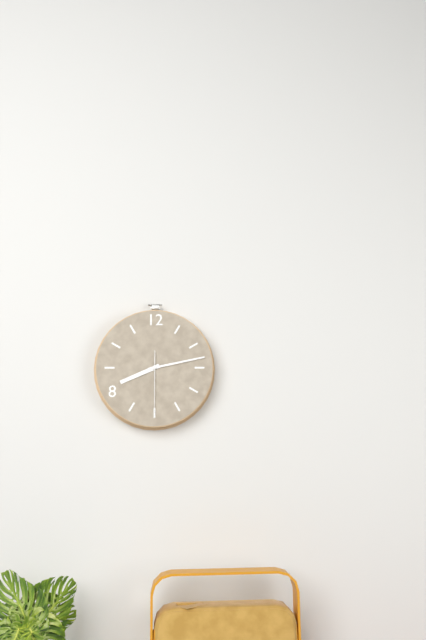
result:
8.13.30
